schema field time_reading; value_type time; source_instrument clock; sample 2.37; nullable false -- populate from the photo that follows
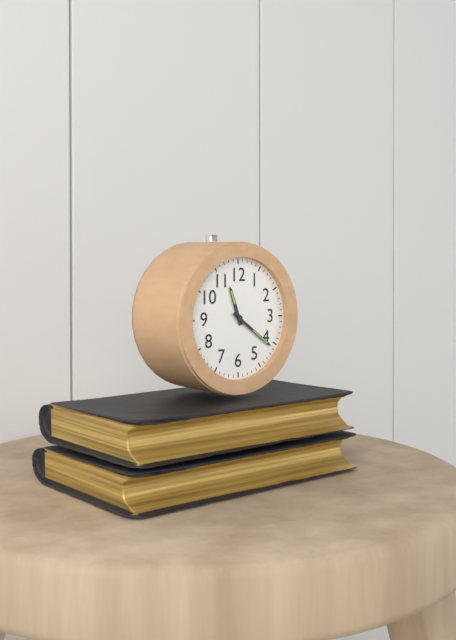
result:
11.21
